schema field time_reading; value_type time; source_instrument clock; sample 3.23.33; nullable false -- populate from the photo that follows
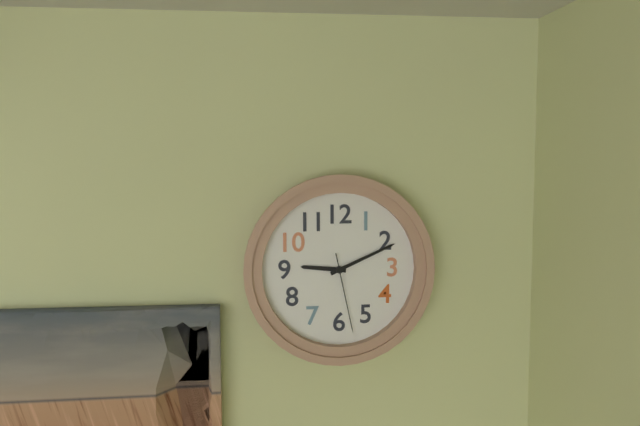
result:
9.11.28
